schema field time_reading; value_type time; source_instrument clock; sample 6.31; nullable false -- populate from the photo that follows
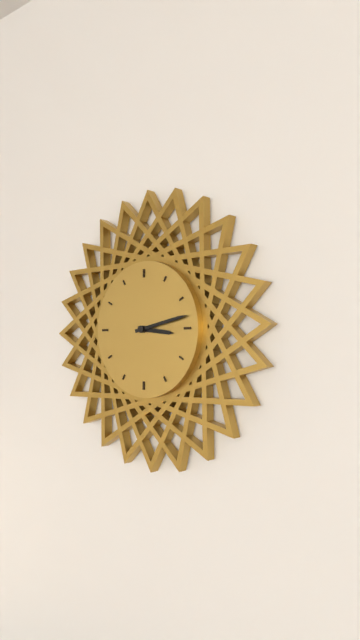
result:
3.13
